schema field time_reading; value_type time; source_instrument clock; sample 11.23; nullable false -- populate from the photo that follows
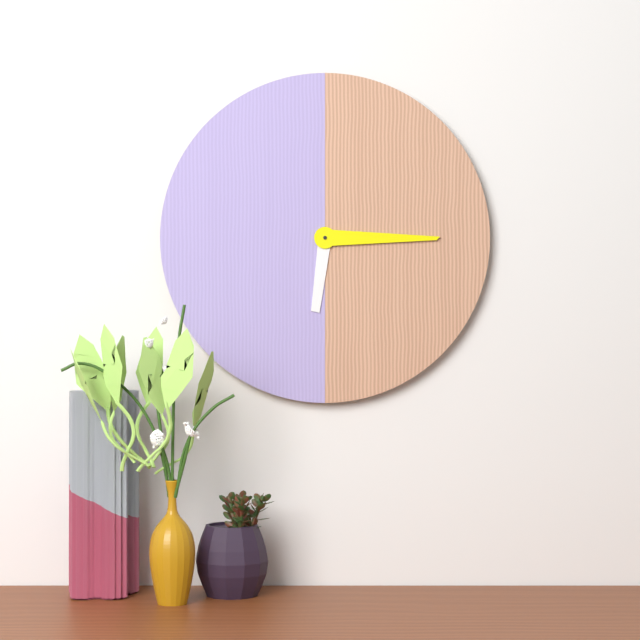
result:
6.15
